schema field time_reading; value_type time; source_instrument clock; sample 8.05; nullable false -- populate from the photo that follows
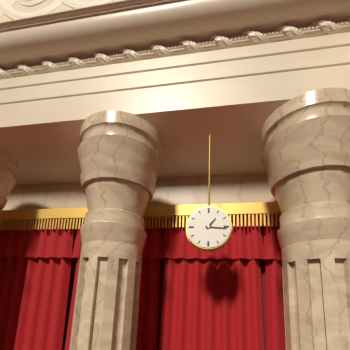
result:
1.16
